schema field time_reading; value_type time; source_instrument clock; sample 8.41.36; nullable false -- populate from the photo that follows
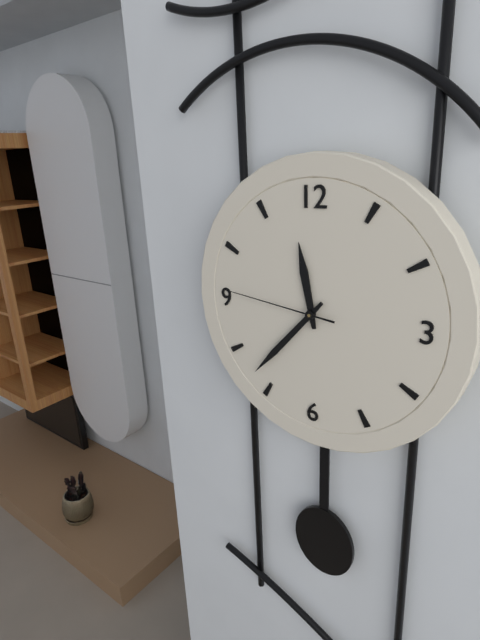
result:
11.37.46
